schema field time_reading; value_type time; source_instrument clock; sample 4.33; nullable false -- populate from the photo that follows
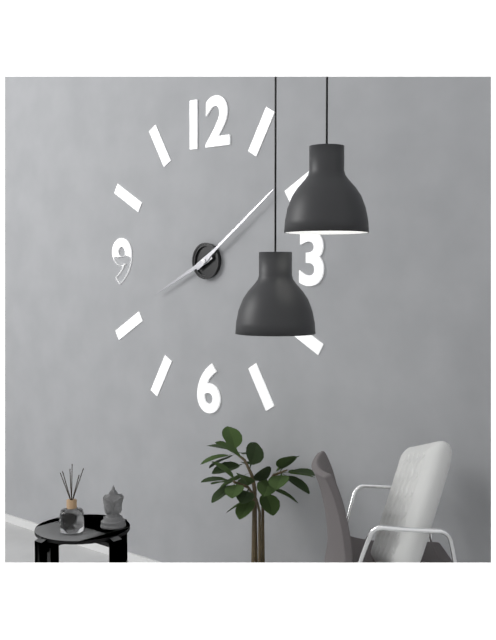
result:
8.09
